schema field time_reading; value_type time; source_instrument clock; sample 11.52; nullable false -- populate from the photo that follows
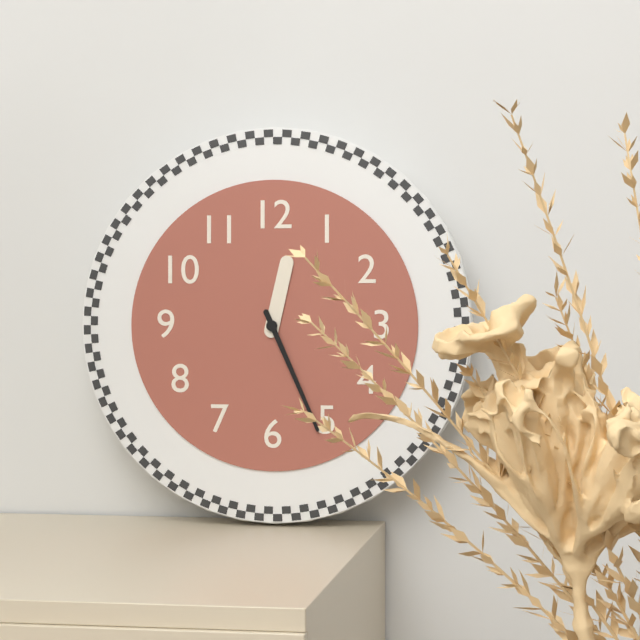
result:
12.26
